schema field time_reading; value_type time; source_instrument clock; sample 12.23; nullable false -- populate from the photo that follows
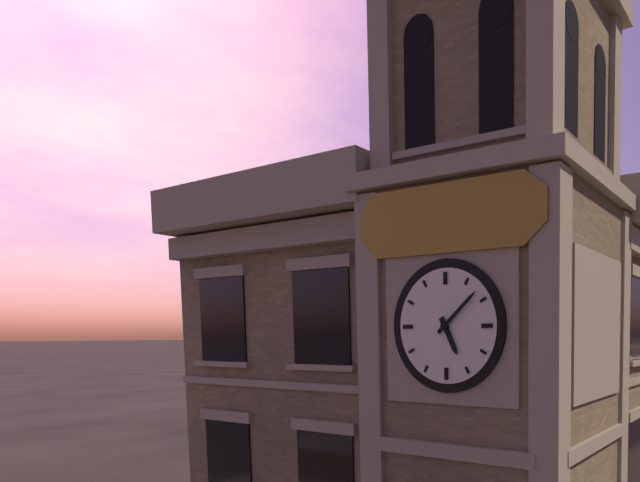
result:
5.08
